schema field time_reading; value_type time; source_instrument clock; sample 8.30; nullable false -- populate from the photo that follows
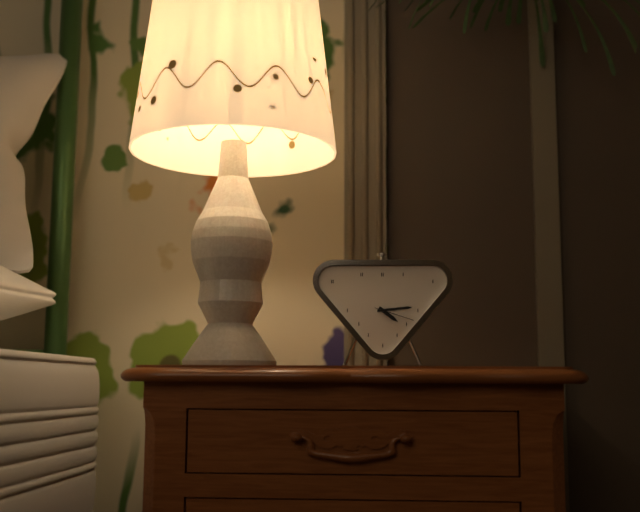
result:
4.14
